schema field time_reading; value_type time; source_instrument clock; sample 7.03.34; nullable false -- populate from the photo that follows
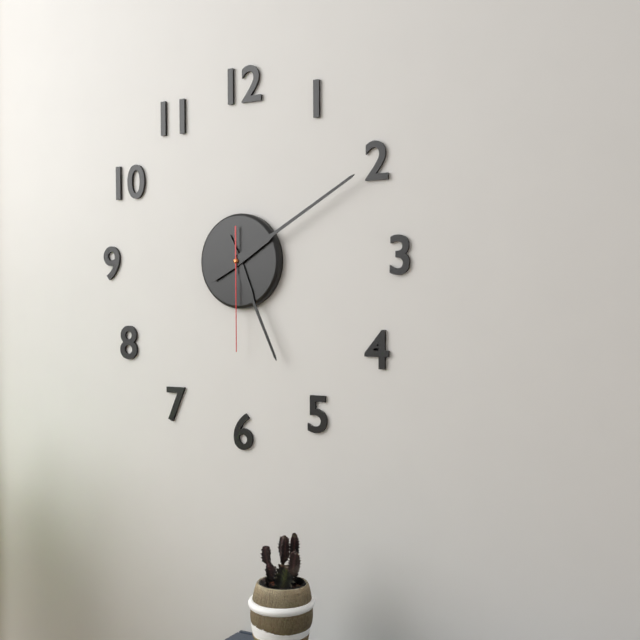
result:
5.10.30
